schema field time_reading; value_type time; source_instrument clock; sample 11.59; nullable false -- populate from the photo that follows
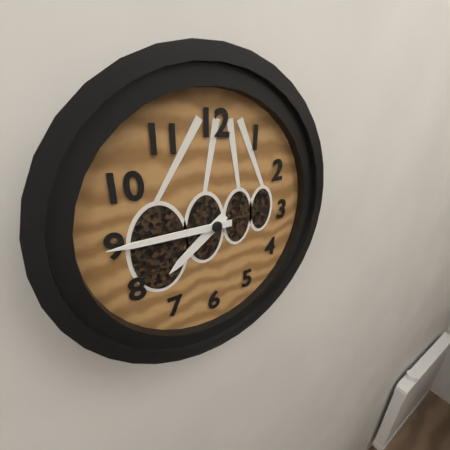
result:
7.45
